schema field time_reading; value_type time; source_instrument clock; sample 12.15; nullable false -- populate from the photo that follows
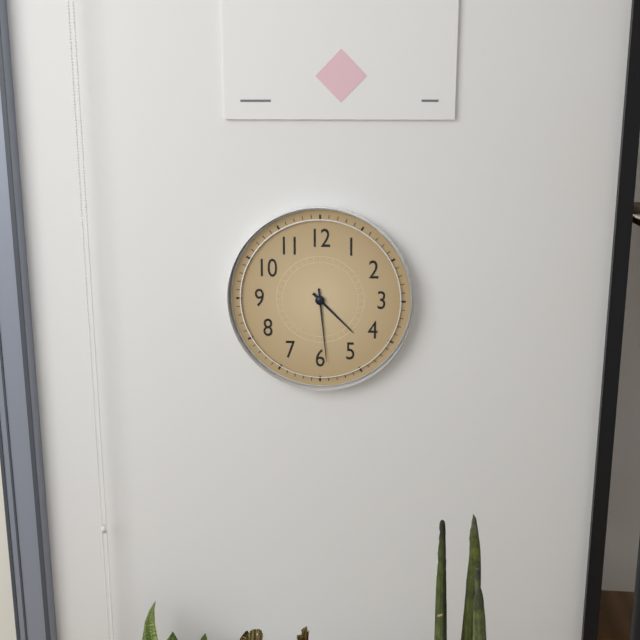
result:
4.29
